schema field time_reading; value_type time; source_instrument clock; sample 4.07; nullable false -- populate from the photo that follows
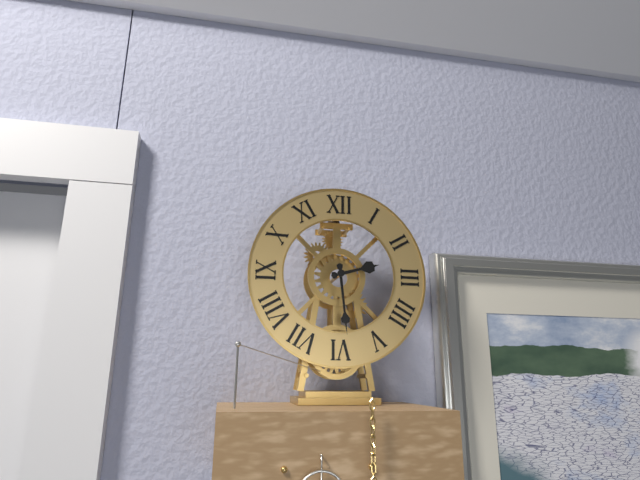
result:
2.29
